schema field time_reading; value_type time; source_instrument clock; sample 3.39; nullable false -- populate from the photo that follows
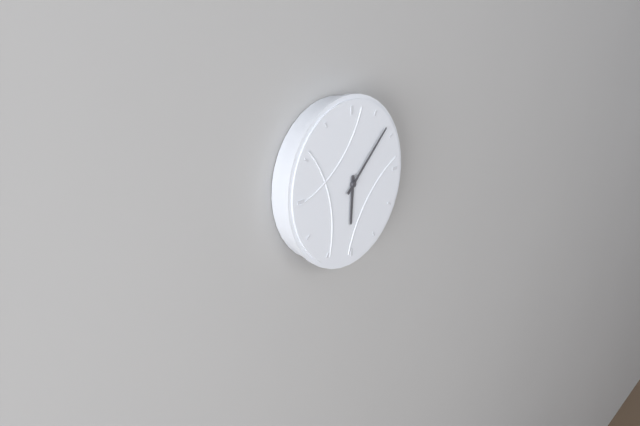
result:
6.08
